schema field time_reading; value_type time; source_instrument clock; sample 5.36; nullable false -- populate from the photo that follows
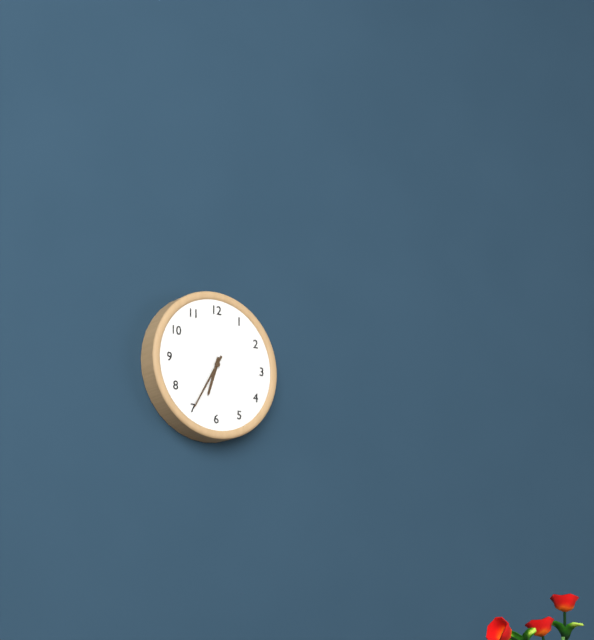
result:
6.35
